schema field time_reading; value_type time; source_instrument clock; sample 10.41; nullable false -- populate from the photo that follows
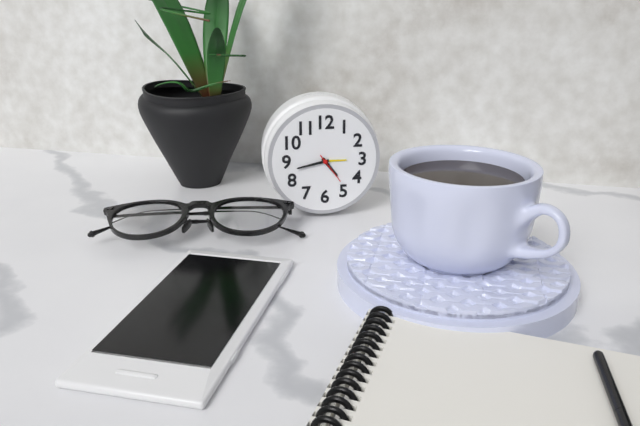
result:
4.43
